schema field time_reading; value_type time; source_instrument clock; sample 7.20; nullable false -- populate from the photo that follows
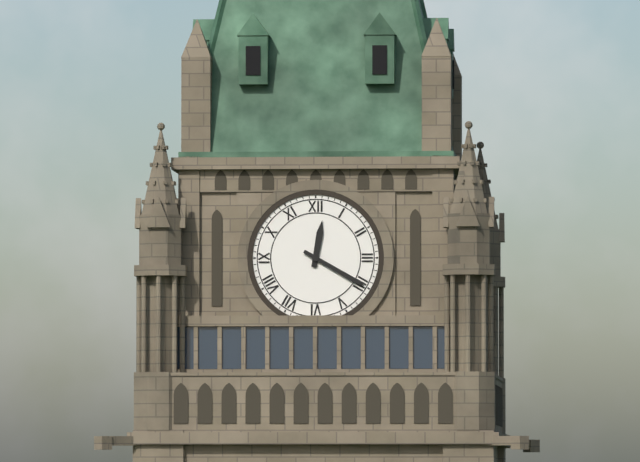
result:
12.20
